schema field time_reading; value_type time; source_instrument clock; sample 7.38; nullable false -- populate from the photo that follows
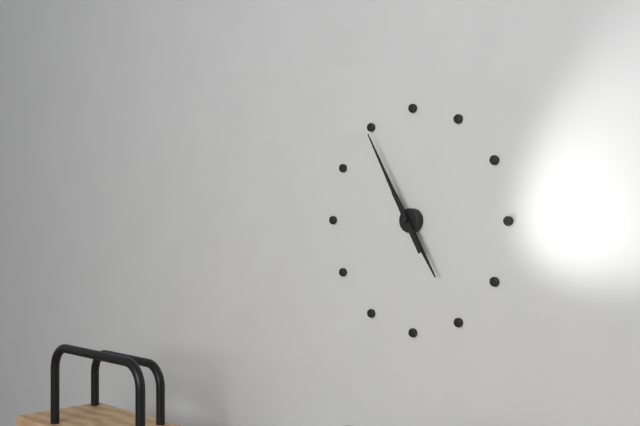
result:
4.55
